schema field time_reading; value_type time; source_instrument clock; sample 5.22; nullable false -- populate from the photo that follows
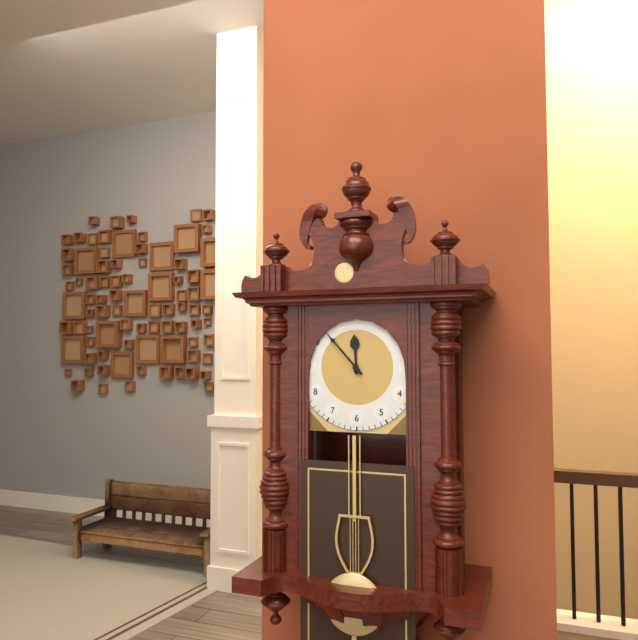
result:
11.53
